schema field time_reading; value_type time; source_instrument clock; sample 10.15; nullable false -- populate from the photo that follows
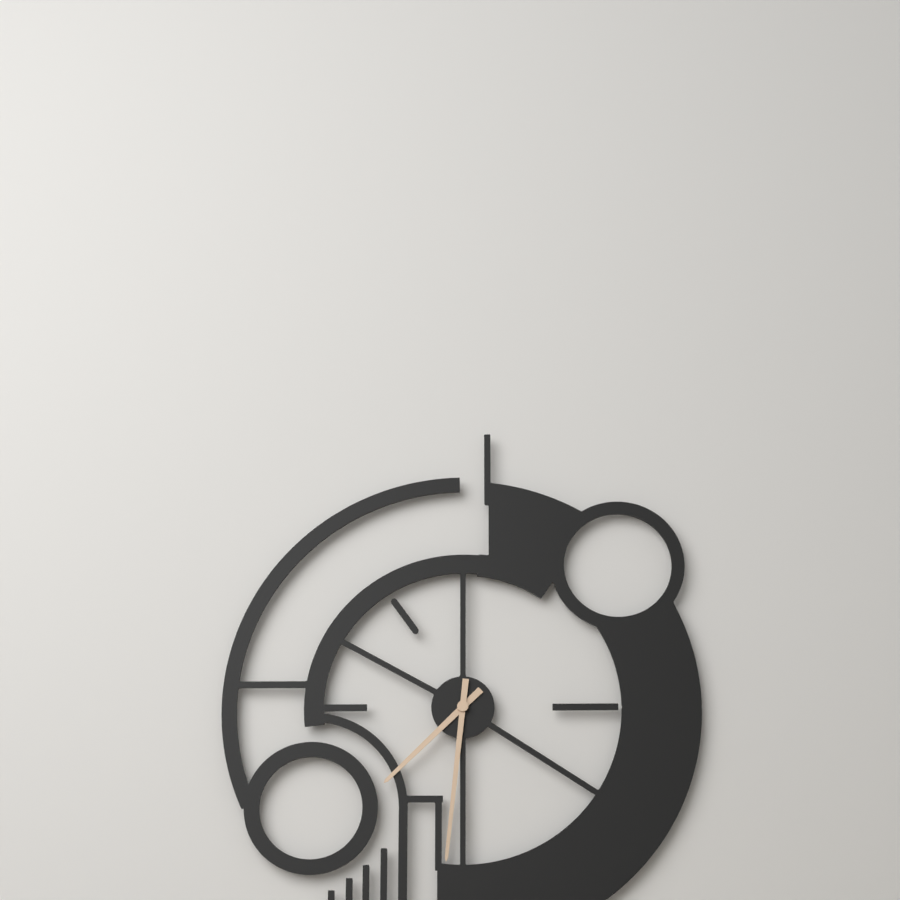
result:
7.31
